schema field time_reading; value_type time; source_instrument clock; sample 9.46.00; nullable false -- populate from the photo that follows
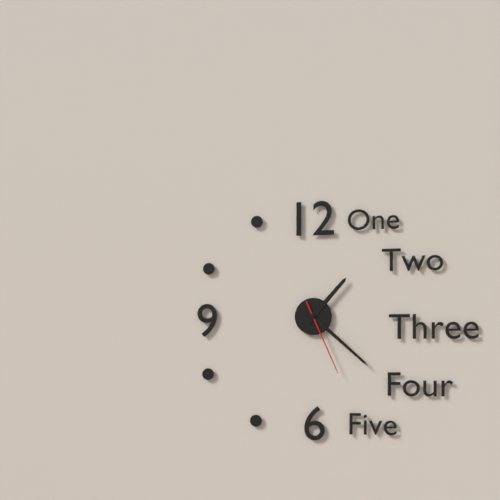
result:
1.22.26
